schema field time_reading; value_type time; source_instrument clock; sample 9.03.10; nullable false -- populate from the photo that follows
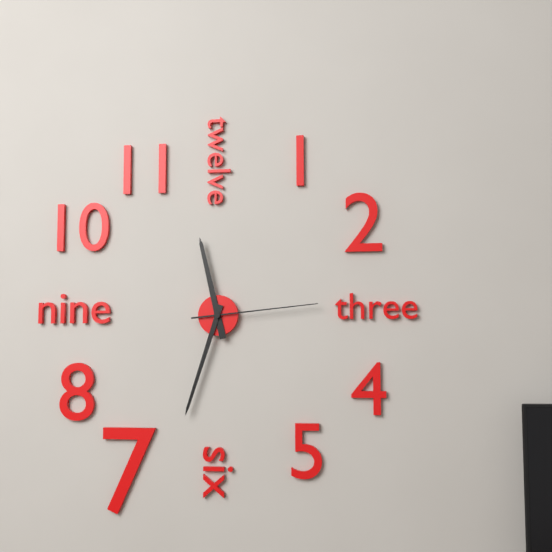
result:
11.33.14
